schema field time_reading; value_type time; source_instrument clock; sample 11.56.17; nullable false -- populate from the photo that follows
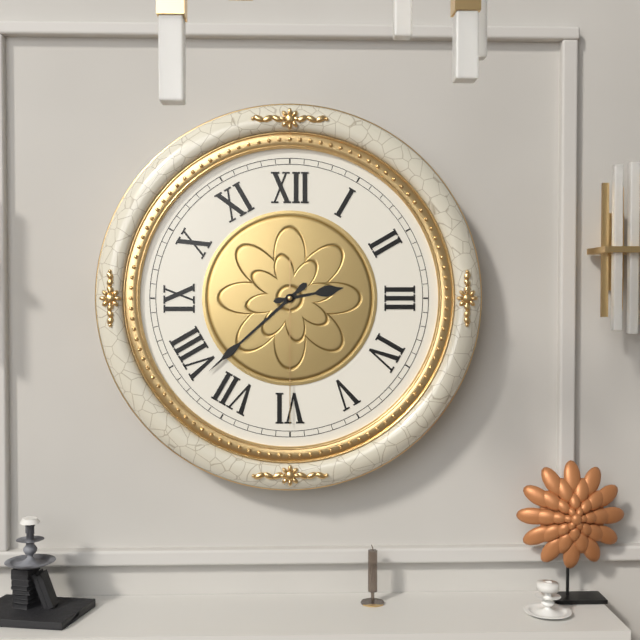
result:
2.38.30
